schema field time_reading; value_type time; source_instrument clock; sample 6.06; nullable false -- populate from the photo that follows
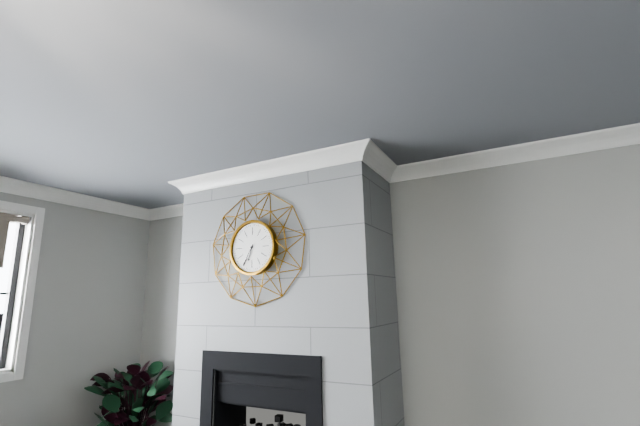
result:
6.35
